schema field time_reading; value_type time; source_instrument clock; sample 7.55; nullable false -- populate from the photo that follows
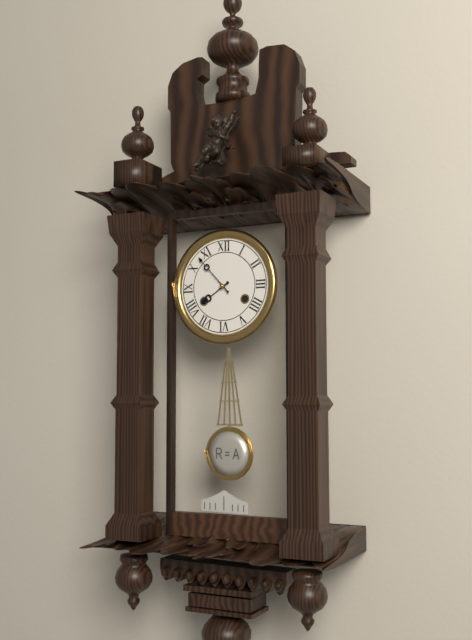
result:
7.53
